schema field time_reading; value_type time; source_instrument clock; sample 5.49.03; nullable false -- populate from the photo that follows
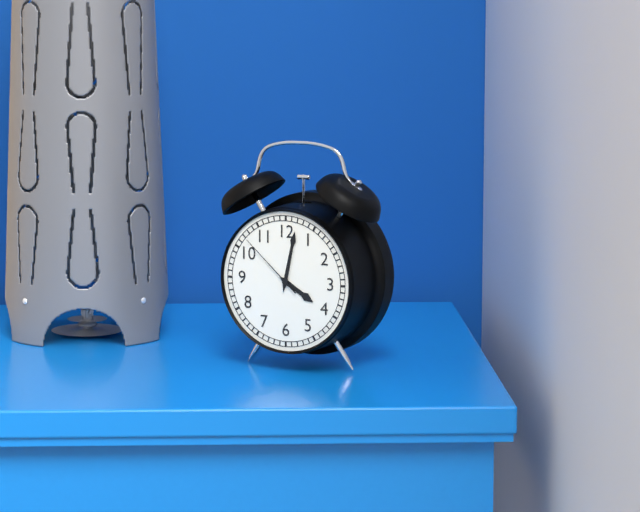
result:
4.02.52
